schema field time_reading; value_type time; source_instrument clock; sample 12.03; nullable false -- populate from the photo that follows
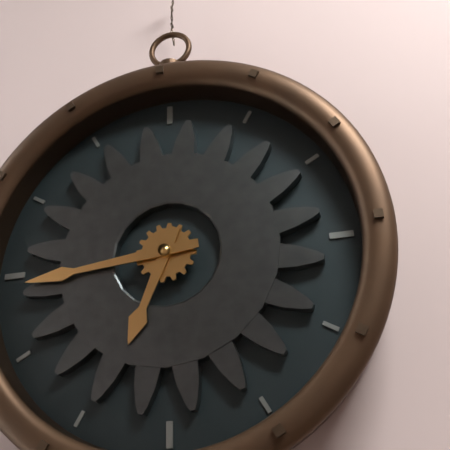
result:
6.44
